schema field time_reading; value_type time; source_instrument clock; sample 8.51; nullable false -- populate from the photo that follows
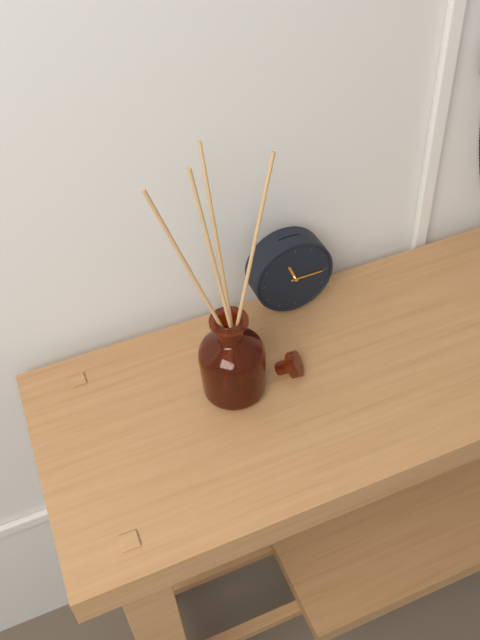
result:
11.15
